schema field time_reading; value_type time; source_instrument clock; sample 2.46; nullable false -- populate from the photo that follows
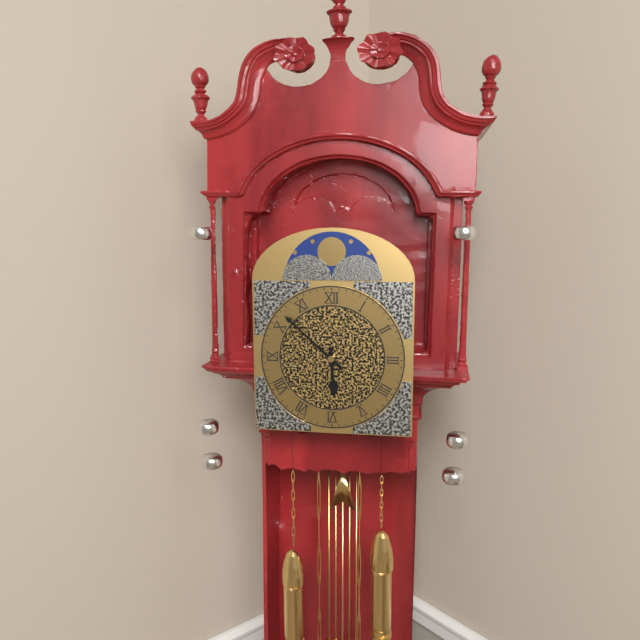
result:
5.52
